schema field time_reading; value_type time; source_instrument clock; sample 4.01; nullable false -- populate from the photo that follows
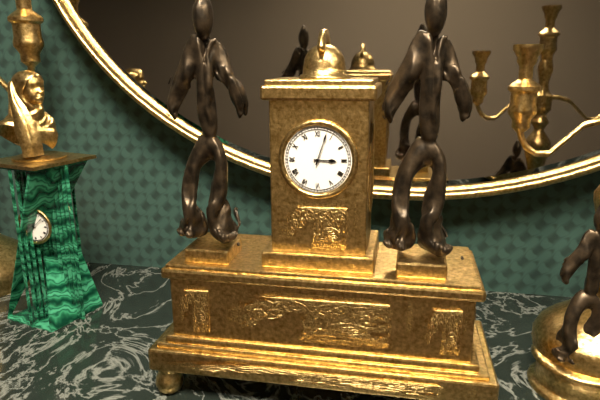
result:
3.03
